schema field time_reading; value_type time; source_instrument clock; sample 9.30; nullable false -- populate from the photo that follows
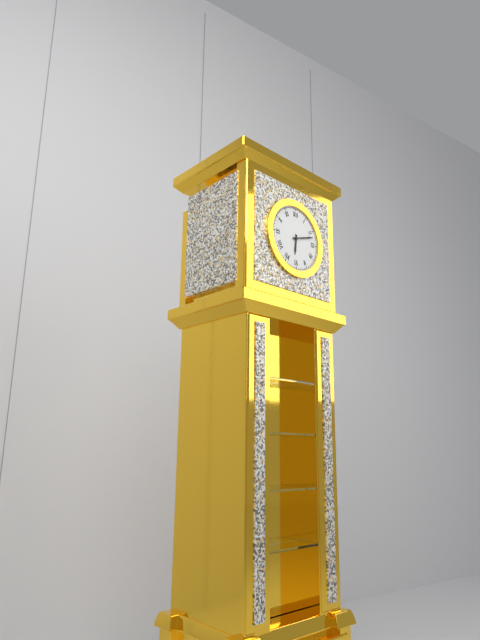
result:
6.12
